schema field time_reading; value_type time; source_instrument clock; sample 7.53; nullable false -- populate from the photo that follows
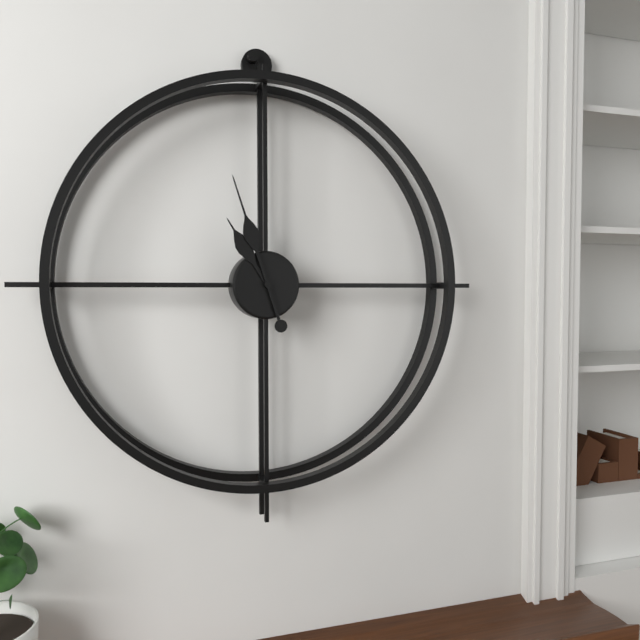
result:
10.57
